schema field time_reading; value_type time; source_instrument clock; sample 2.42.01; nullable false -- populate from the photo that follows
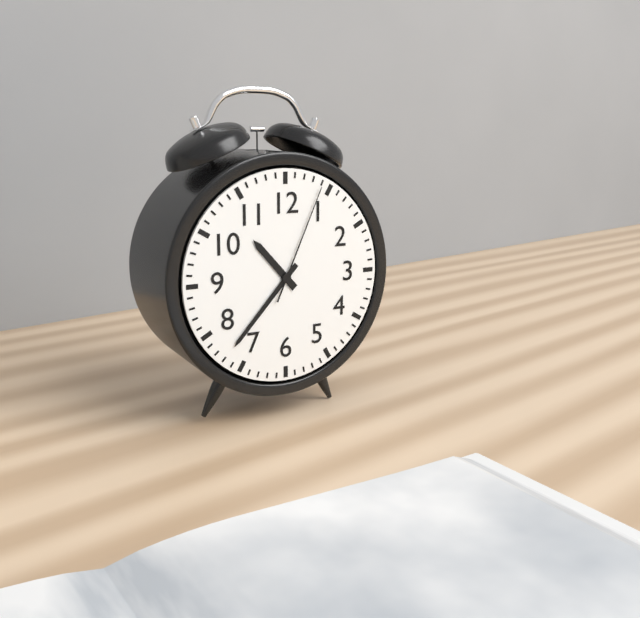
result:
10.37.04
